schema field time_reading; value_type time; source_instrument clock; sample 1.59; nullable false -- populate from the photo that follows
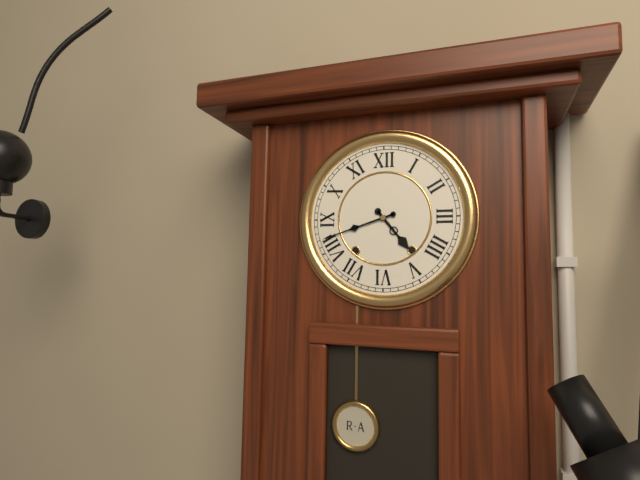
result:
4.42
